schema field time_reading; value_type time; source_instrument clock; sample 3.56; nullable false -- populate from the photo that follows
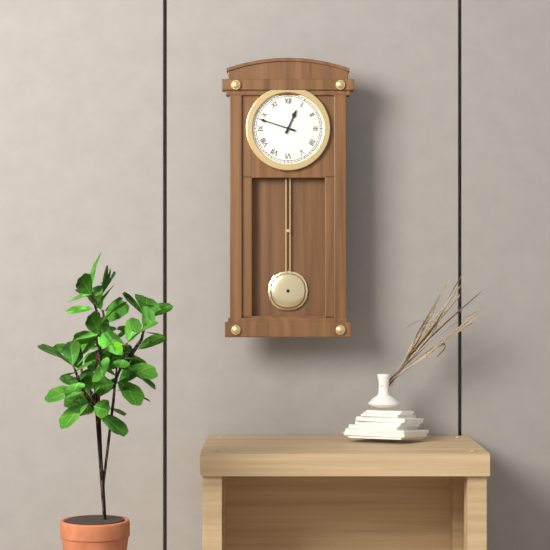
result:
12.48
